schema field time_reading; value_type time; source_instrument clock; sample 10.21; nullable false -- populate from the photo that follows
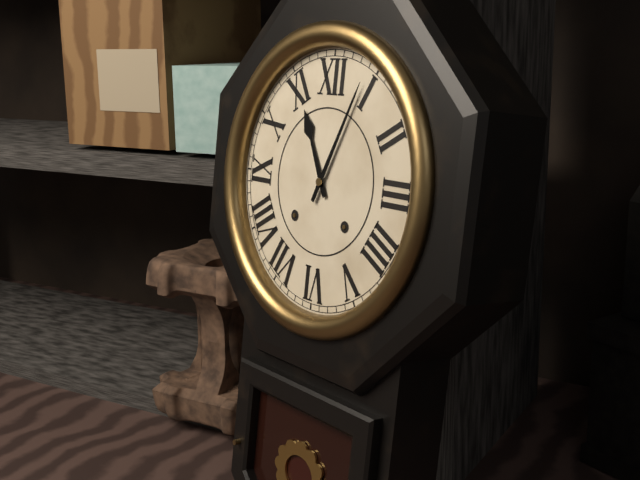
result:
11.04
